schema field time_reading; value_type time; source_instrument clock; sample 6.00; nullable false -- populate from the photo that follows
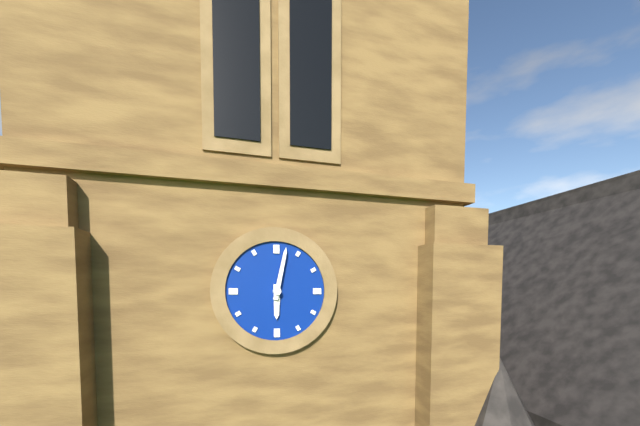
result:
6.02
